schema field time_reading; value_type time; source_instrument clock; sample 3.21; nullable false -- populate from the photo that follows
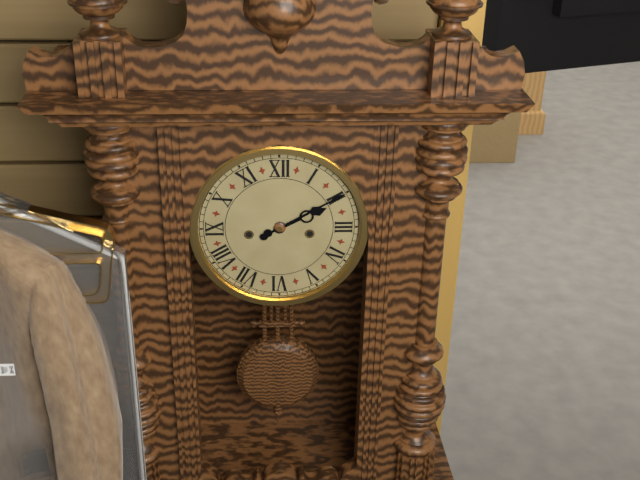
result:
2.10
